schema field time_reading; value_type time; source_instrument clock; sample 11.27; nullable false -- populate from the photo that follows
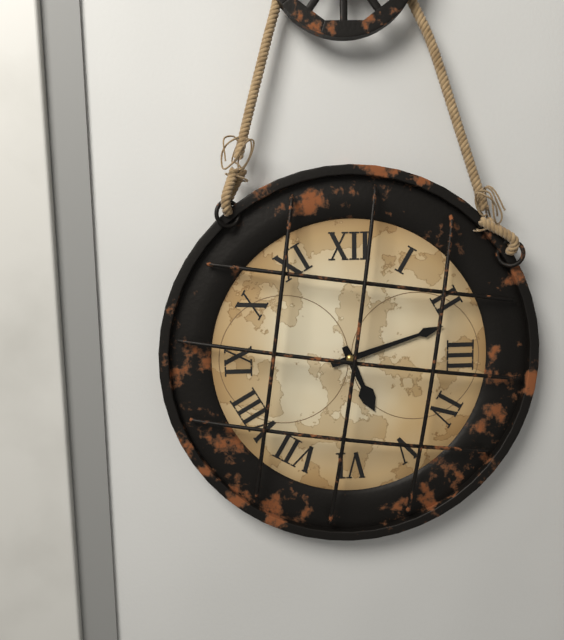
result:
5.12
